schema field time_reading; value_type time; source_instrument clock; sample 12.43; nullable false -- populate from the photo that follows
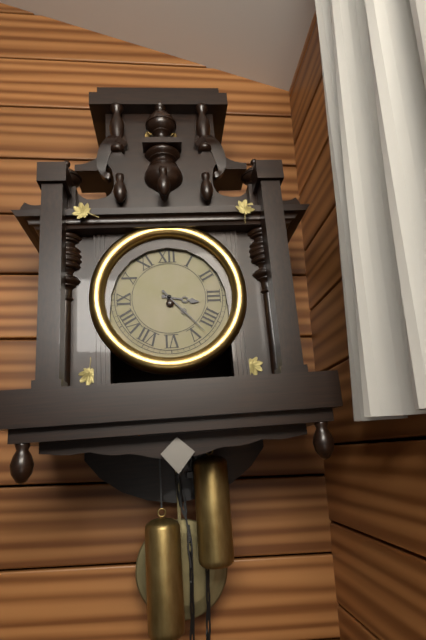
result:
3.23
